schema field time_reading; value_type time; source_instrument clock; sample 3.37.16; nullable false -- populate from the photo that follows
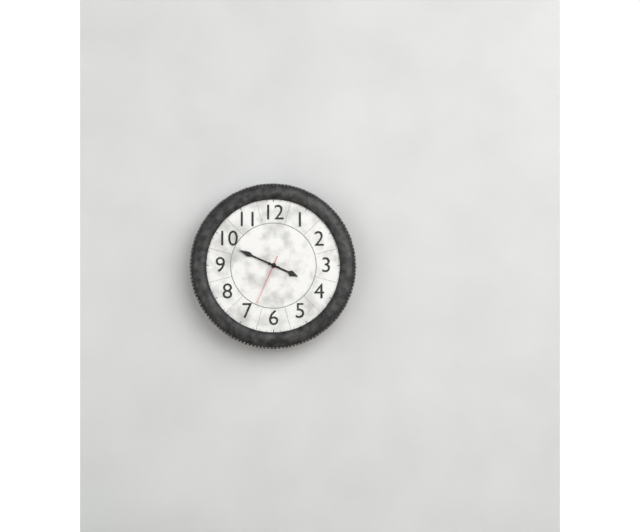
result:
3.49.34
